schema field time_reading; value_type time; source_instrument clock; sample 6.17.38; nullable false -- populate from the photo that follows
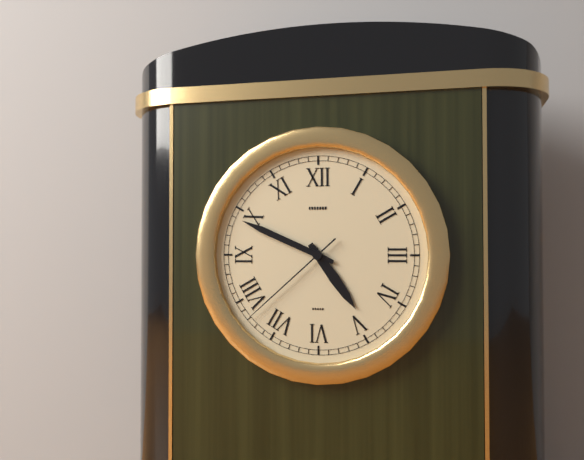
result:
4.49.38
